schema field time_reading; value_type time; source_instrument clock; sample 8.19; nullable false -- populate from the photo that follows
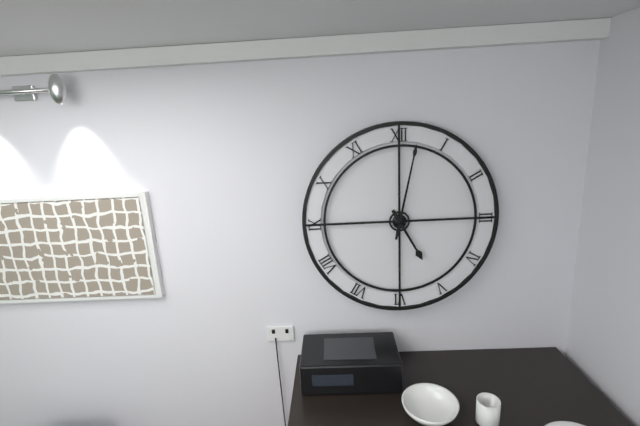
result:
5.02
